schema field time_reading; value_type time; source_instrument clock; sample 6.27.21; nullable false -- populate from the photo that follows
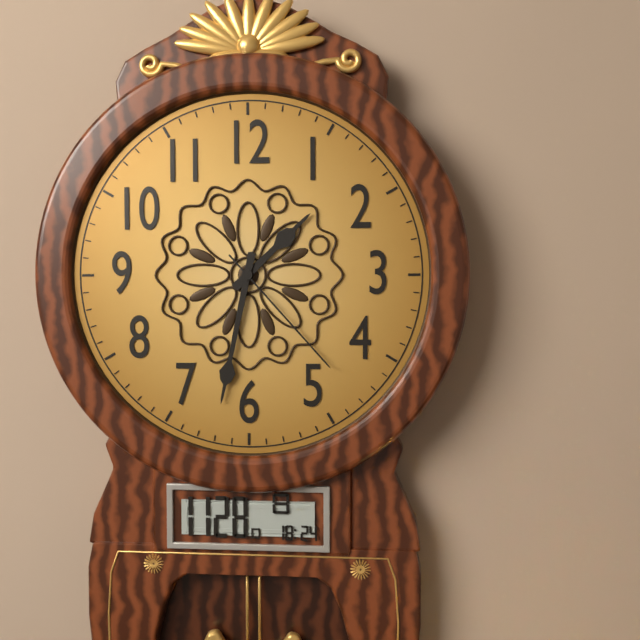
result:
1.32.23
